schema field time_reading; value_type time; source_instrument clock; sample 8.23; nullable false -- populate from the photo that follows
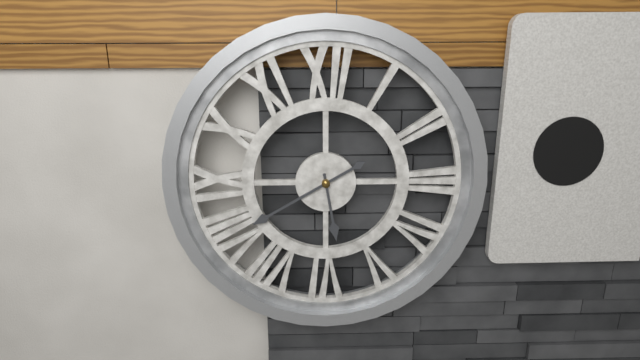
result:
5.40
